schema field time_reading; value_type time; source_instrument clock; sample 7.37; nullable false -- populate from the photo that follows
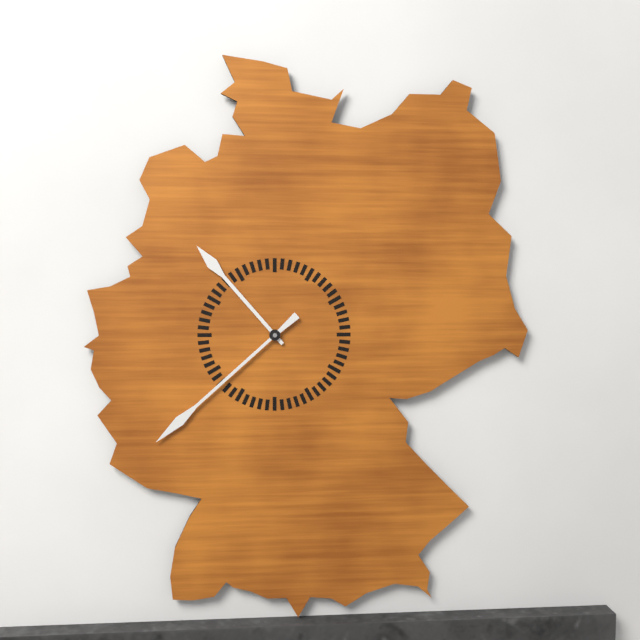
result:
10.38
